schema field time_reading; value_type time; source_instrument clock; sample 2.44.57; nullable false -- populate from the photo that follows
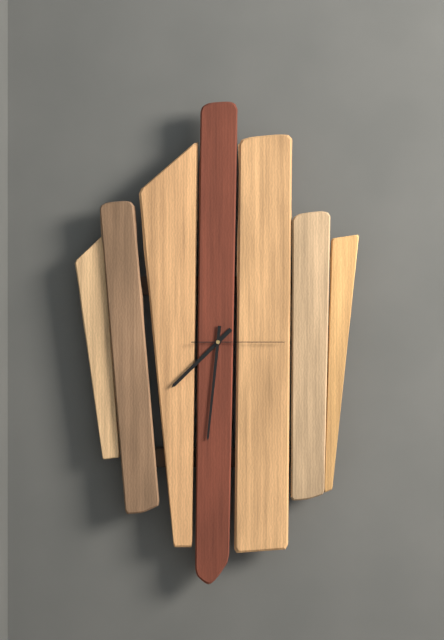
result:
7.31.15
